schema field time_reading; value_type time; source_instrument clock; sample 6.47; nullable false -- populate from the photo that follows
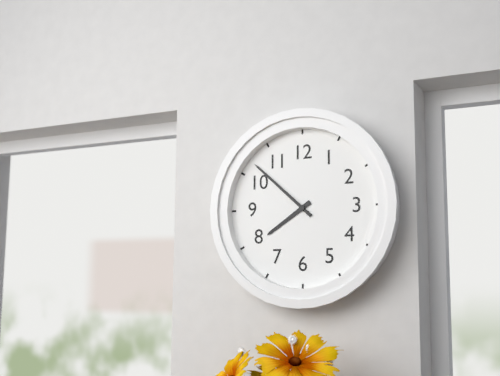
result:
7.52
